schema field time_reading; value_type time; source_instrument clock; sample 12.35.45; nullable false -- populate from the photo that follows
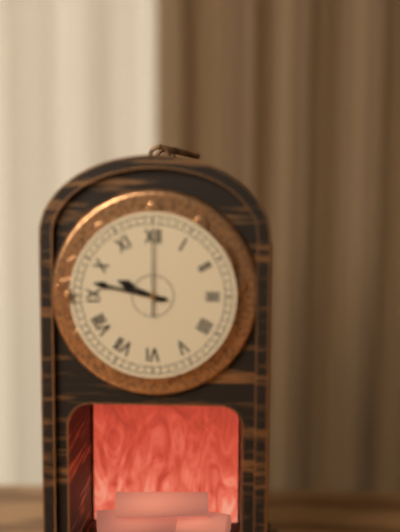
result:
9.47.00
